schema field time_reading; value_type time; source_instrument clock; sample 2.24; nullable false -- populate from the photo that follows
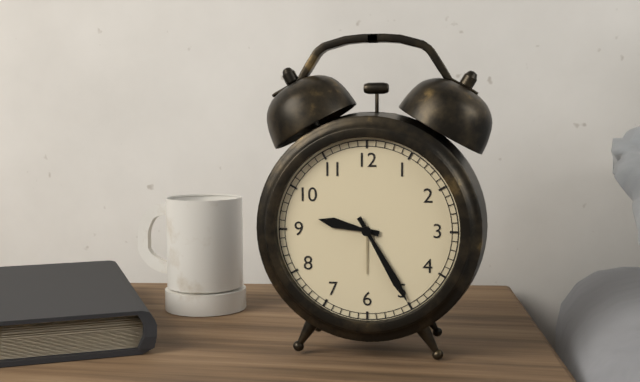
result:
9.25
